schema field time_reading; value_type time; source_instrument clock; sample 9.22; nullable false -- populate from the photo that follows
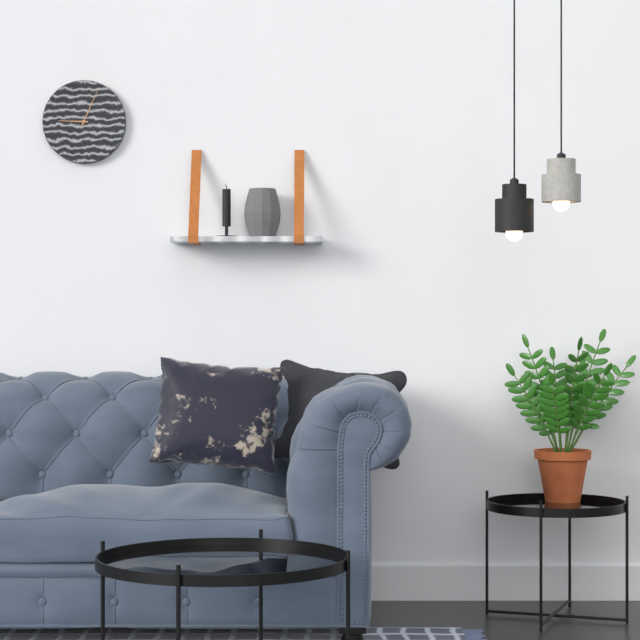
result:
9.04
